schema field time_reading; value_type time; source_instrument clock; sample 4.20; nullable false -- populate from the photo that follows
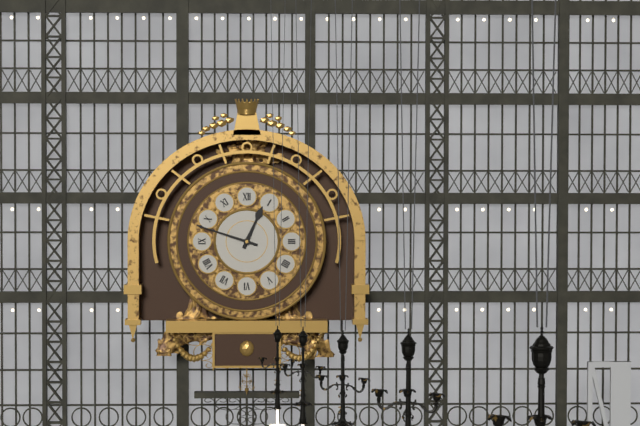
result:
12.48
